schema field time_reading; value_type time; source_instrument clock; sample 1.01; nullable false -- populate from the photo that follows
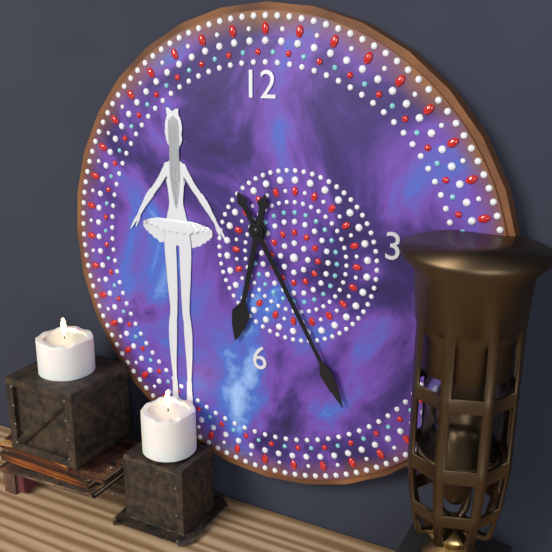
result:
6.25
